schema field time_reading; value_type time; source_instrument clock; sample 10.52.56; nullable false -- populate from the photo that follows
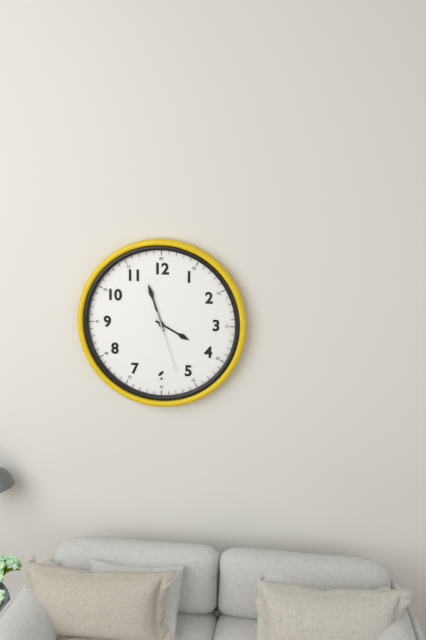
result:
3.57.27
